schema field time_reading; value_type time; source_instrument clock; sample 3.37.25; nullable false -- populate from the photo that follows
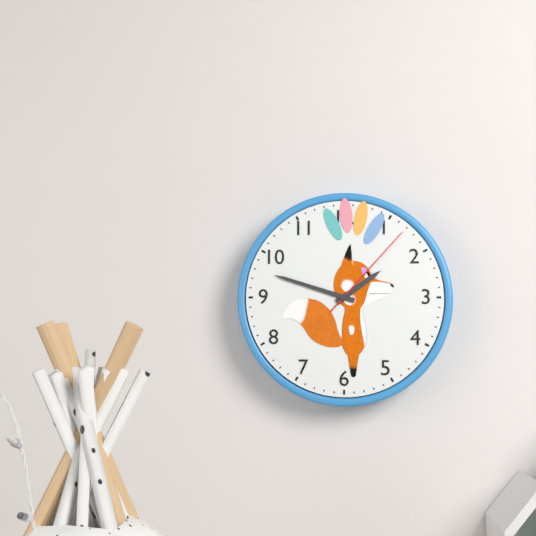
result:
1.48.07
